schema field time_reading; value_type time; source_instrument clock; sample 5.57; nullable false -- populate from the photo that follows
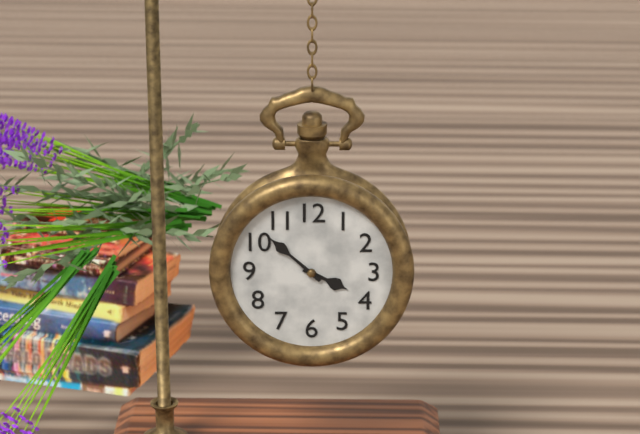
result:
3.52
